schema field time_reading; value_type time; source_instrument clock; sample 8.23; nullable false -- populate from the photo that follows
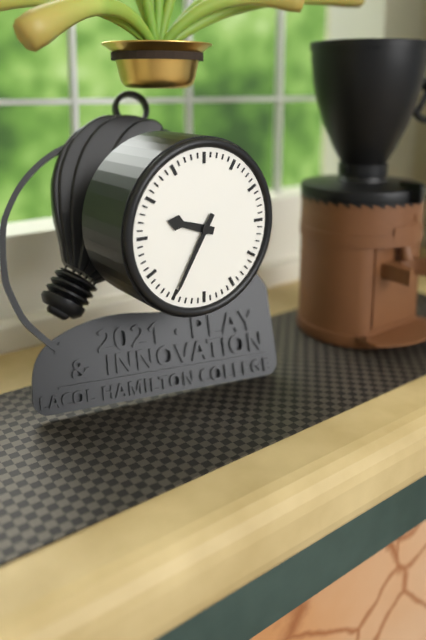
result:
9.35
